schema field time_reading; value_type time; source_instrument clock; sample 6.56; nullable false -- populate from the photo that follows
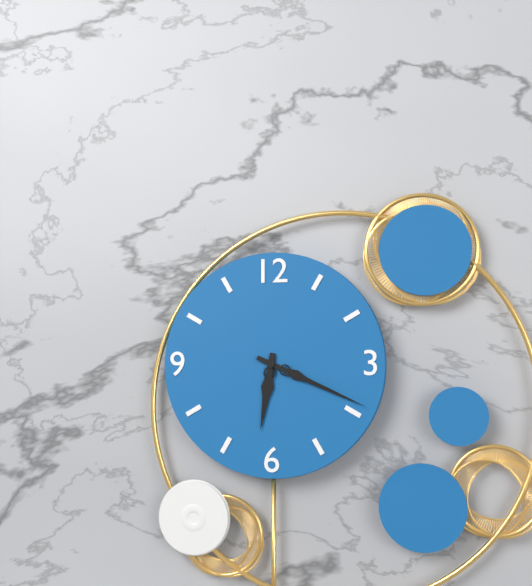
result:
6.19
